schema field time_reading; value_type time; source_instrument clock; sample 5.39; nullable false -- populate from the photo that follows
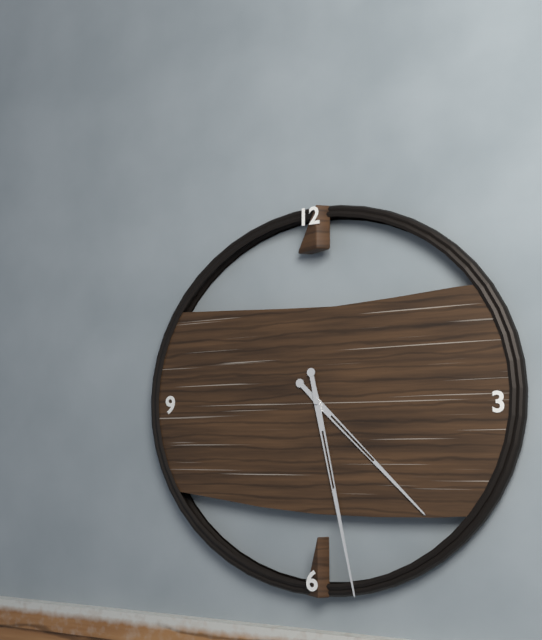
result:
4.28
